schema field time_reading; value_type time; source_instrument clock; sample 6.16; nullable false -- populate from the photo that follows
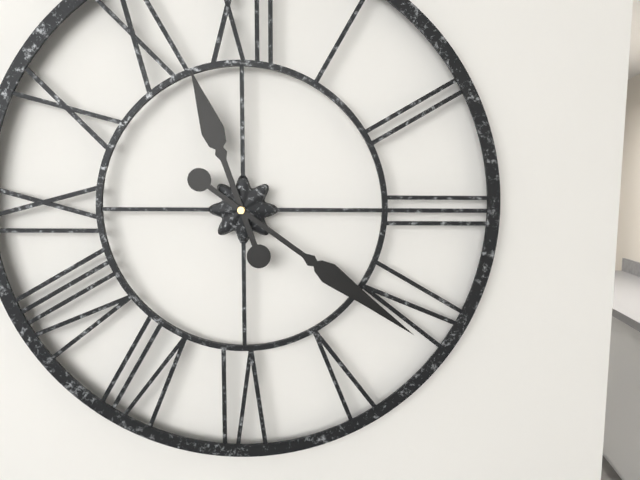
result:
11.21
